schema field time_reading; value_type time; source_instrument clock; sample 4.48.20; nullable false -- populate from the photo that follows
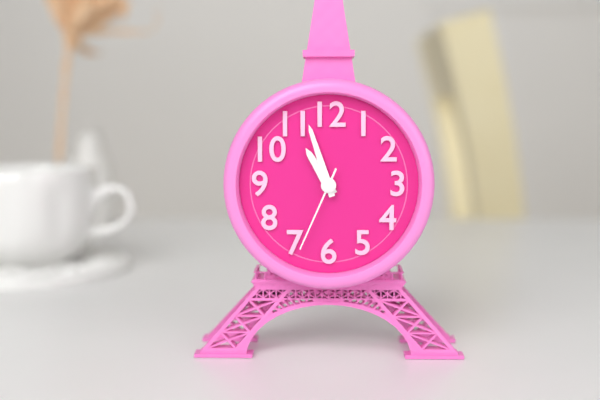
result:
10.57.34
